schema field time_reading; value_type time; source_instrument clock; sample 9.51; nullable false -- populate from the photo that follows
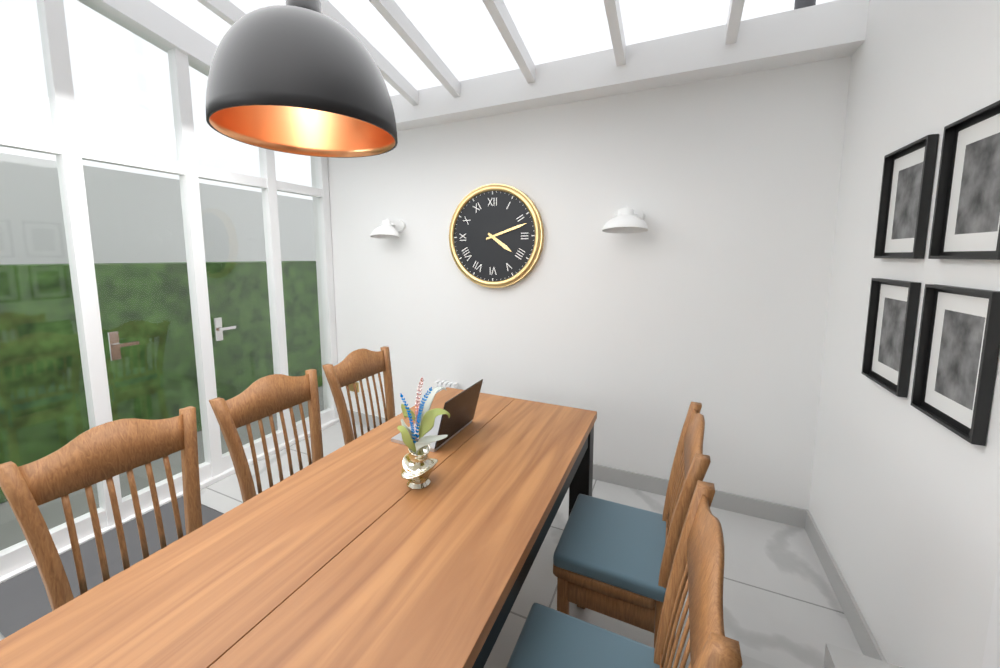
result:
4.12
